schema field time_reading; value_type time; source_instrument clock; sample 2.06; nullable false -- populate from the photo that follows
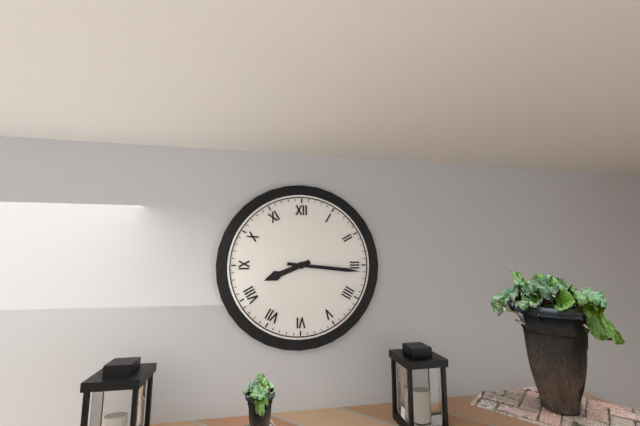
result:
8.16
